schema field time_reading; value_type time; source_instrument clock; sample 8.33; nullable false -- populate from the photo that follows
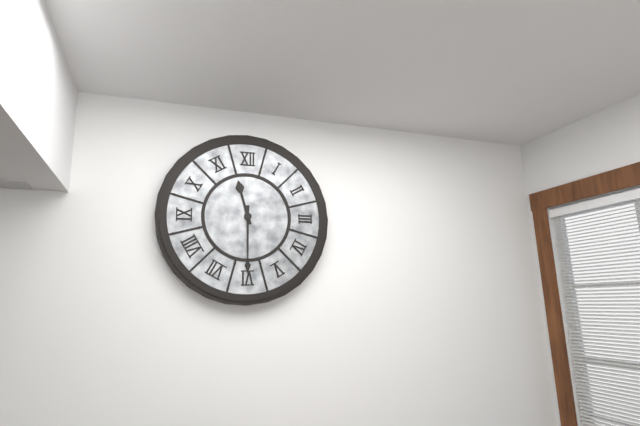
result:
11.30
